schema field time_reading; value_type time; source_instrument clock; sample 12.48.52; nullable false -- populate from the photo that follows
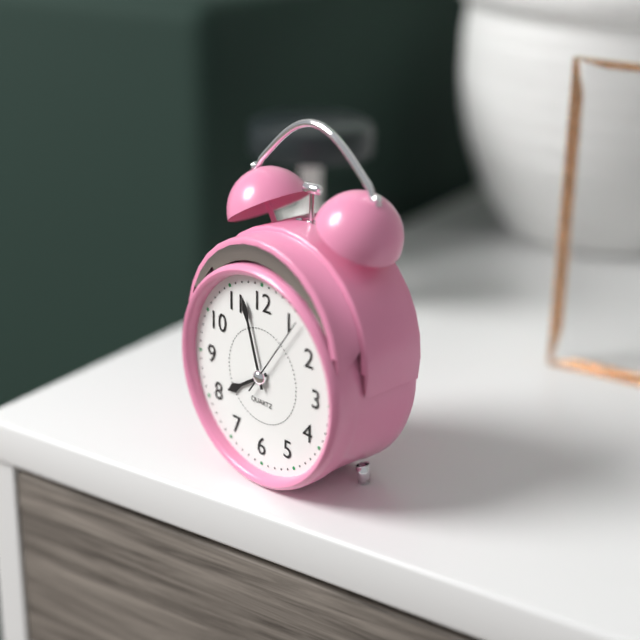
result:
7.57.06
